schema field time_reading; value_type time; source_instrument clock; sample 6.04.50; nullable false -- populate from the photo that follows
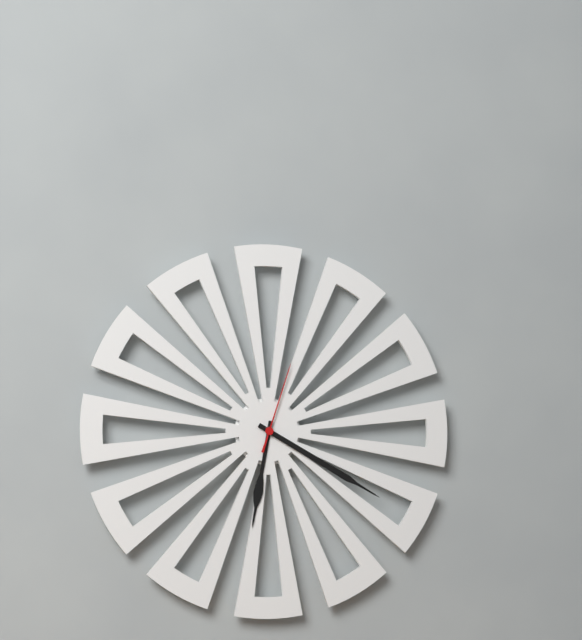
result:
6.20.03
